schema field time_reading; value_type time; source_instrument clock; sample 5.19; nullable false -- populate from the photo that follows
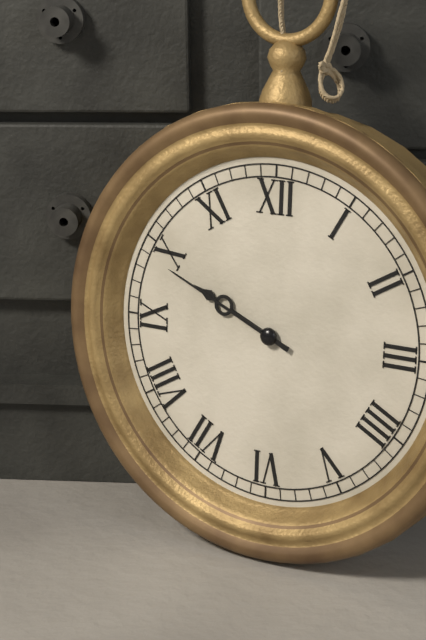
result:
9.49
